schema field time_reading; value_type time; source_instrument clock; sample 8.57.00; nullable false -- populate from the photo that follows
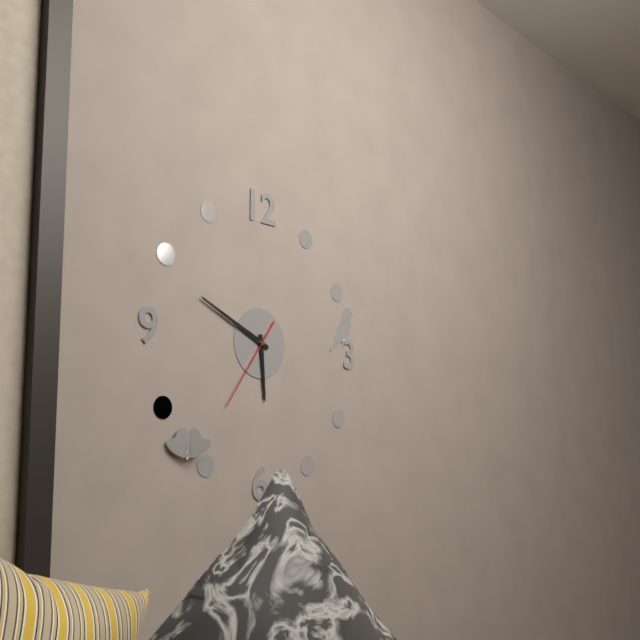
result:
5.49.36
